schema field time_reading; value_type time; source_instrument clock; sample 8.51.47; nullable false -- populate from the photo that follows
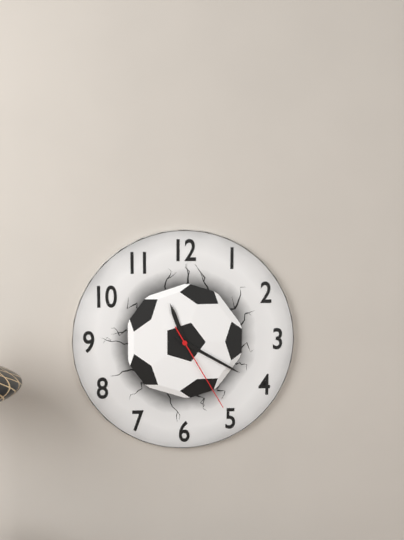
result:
11.20.25
